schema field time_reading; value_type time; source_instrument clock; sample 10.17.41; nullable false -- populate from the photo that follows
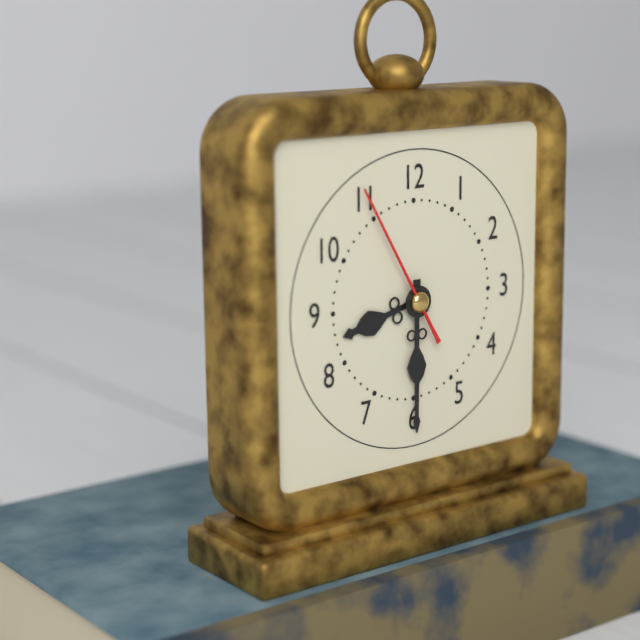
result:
8.30.55
